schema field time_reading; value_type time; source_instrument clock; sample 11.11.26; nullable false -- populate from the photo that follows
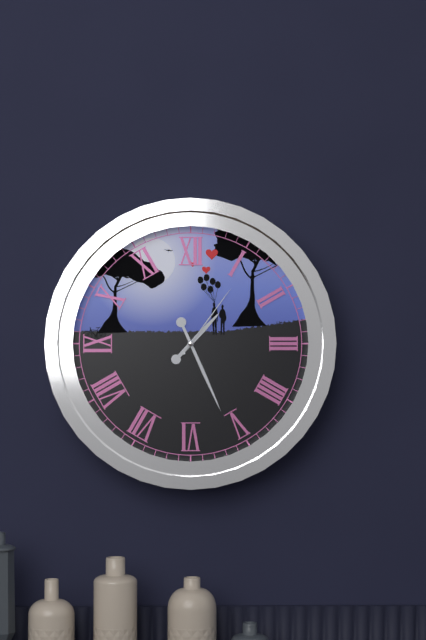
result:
1.26.06
